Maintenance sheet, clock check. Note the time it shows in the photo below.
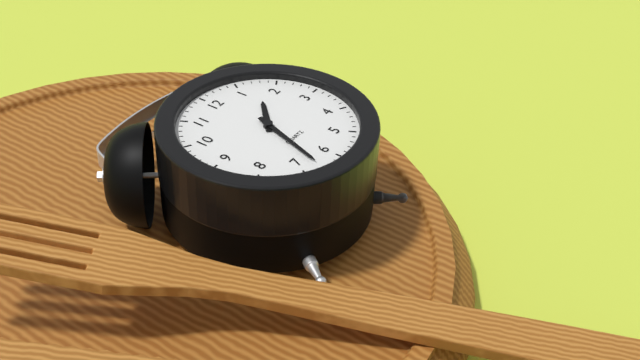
1:33
